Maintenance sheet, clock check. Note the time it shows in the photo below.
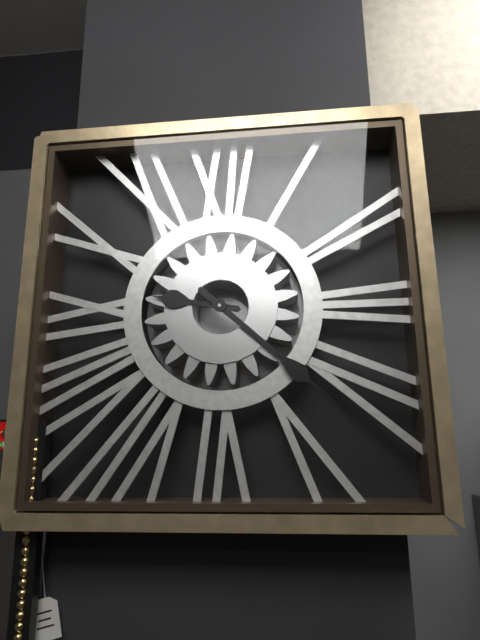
9:22
